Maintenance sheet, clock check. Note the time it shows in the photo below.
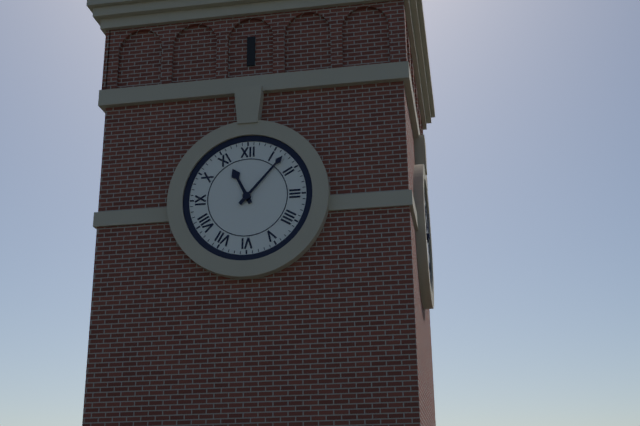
11:07
